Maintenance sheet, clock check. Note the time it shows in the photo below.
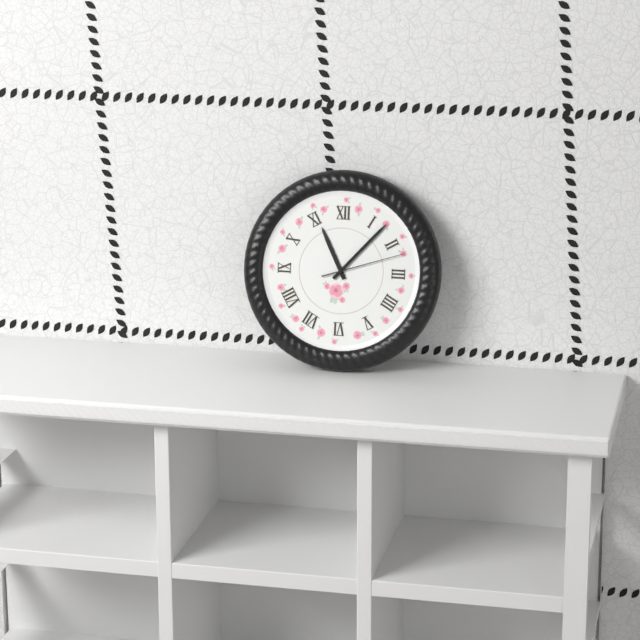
11:07:12
